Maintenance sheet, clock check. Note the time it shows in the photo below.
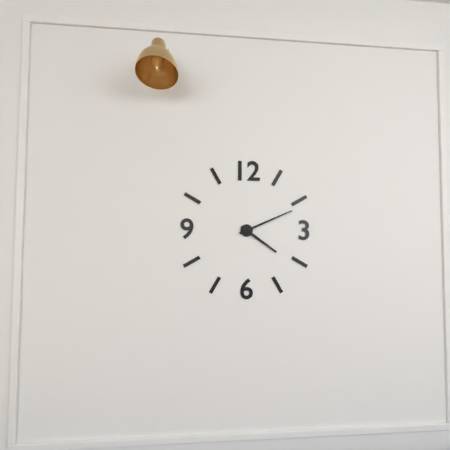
4:11
